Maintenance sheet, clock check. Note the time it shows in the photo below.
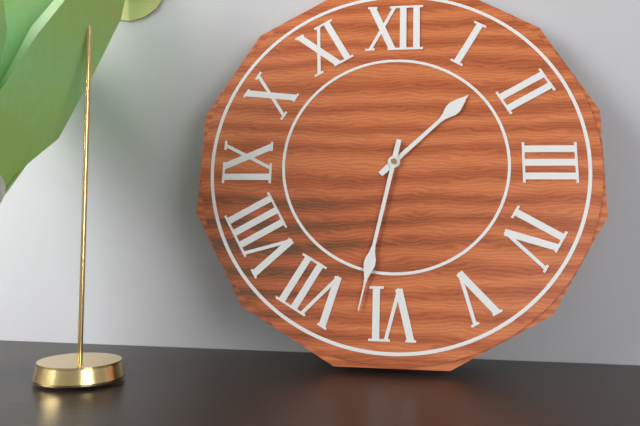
1:32
